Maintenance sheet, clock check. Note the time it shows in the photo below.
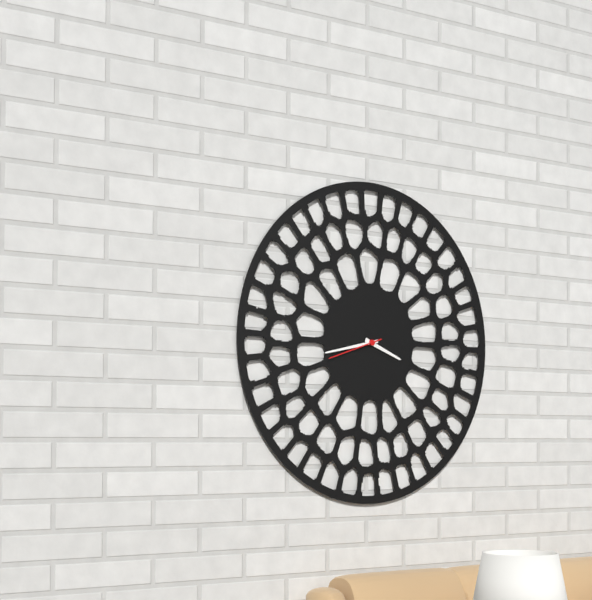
3:43:42
